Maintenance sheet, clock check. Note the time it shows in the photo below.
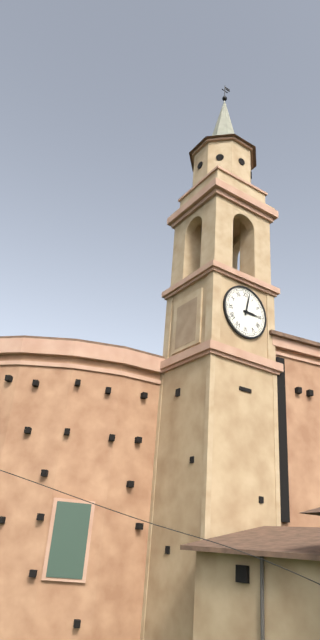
3:02
